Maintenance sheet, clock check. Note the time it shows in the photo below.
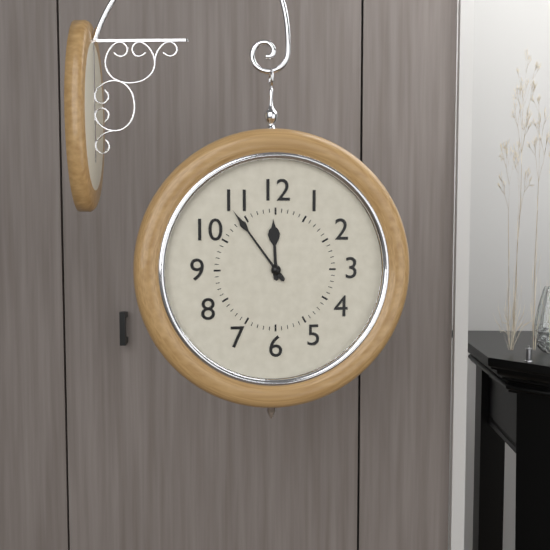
11:54
